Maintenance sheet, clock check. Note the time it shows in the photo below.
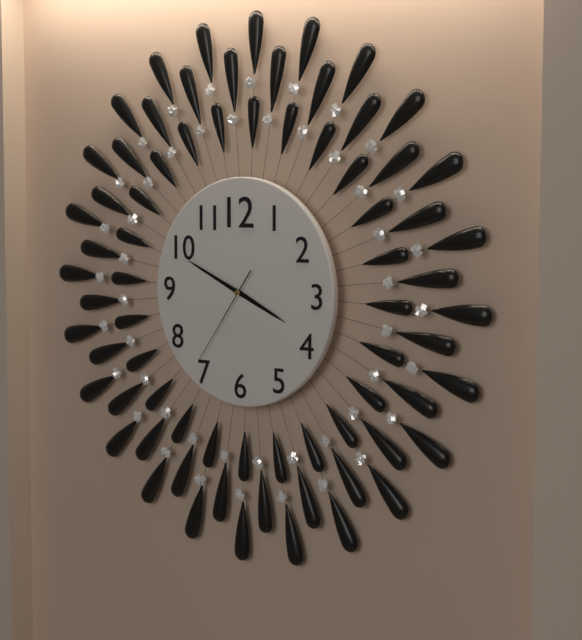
3:49:36
